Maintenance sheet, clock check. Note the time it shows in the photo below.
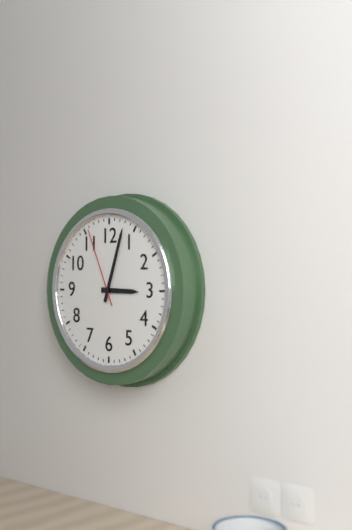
3:03:56
